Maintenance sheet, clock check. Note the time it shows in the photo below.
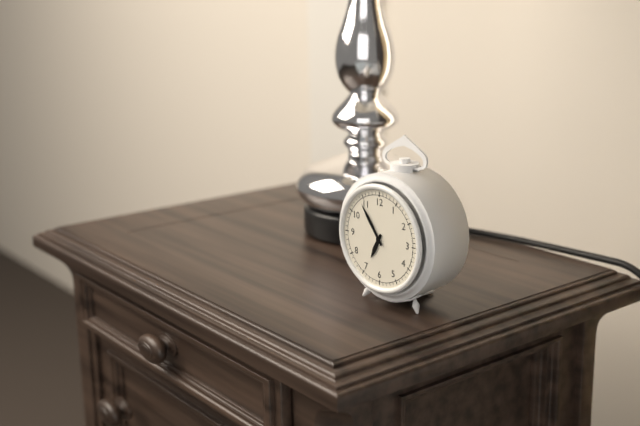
6:54
